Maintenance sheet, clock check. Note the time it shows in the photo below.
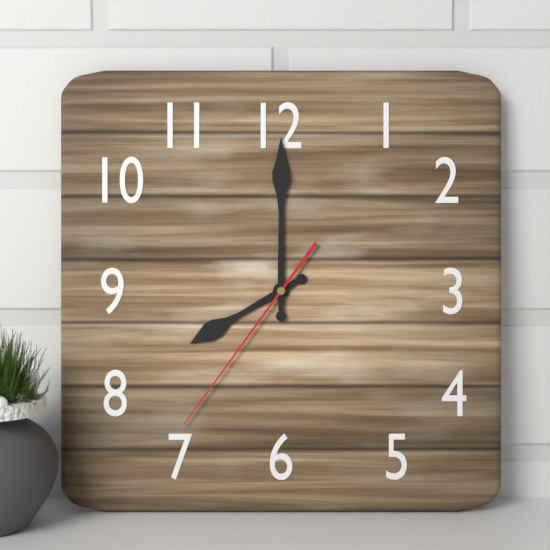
8:00:36
